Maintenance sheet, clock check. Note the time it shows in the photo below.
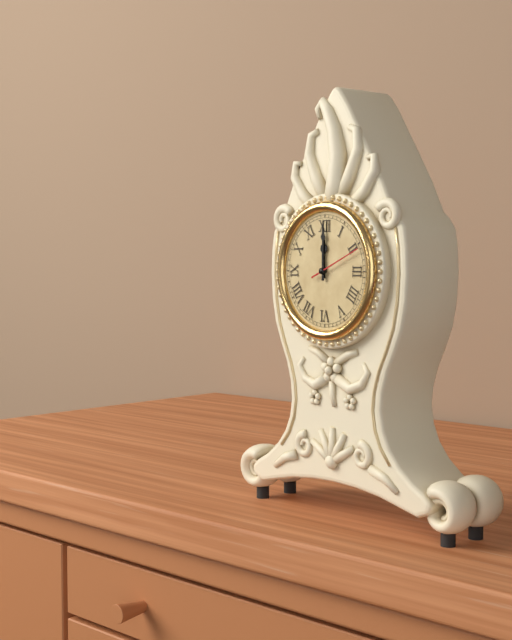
12:00:11
